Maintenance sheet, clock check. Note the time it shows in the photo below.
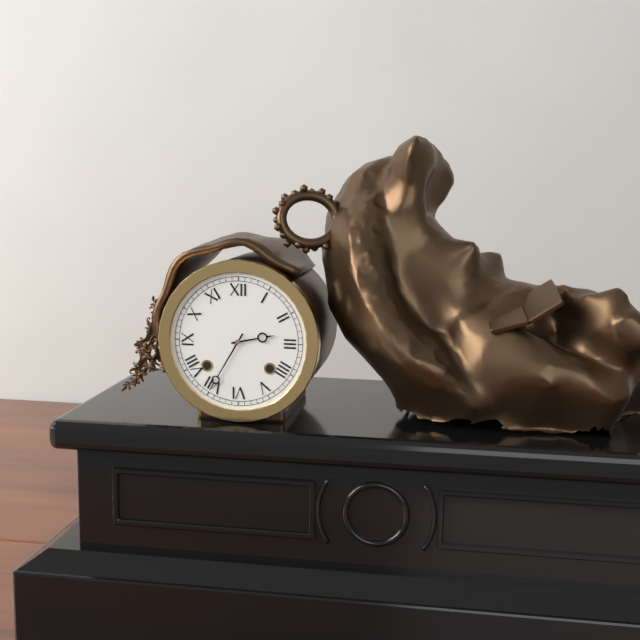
2:35
